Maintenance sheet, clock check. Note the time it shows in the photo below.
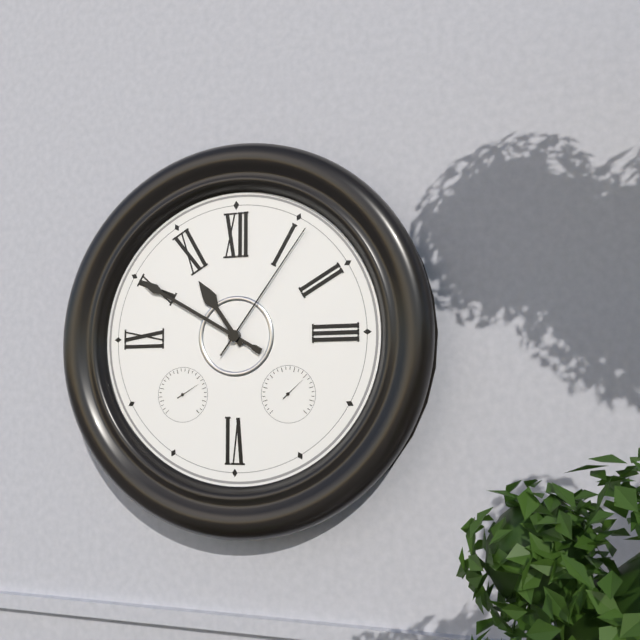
10:50:06
